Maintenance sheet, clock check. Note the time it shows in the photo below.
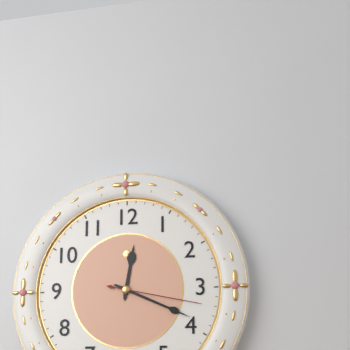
12:19:17
